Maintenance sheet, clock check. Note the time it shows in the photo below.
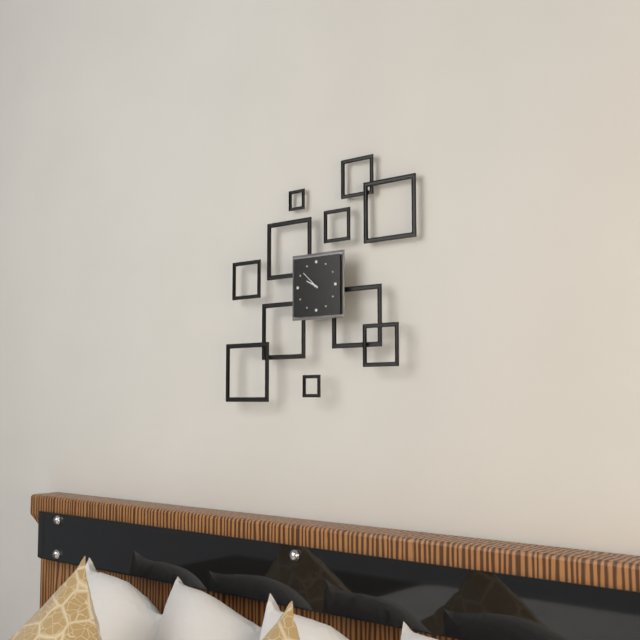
9:52
